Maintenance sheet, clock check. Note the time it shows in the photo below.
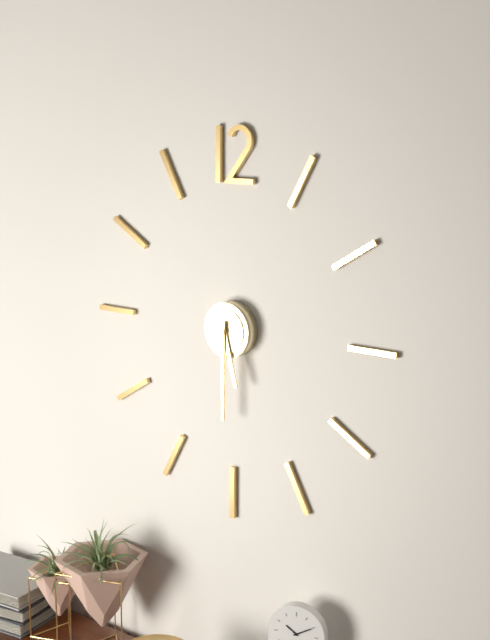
5:30
